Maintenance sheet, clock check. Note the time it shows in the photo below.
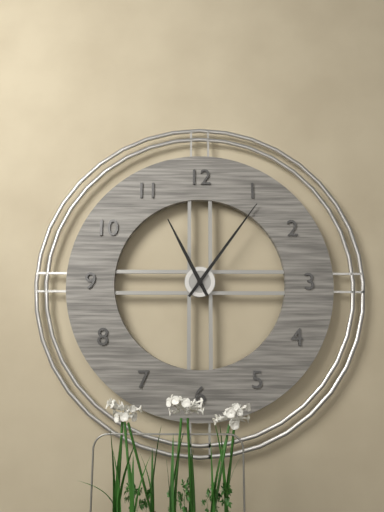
11:06
